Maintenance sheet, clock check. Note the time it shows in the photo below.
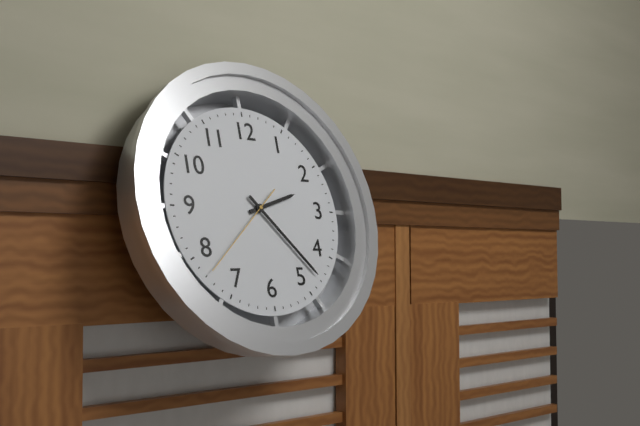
2:23:38
